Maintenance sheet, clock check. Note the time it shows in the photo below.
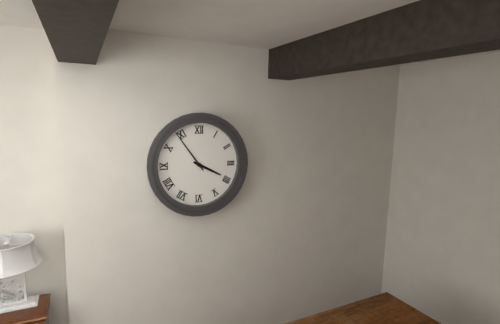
3:54
